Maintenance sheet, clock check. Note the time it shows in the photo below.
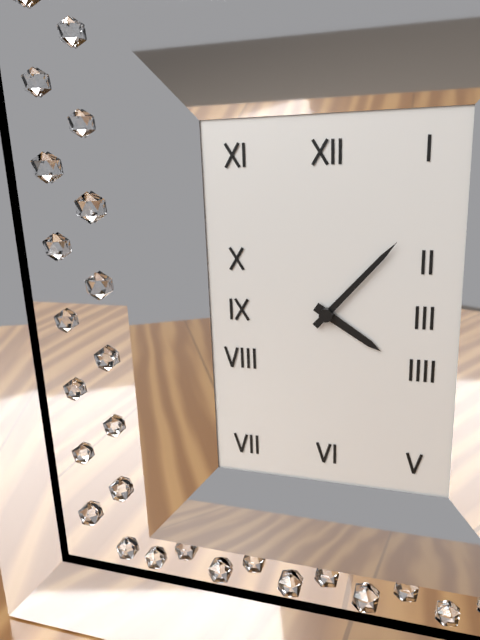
4:07
